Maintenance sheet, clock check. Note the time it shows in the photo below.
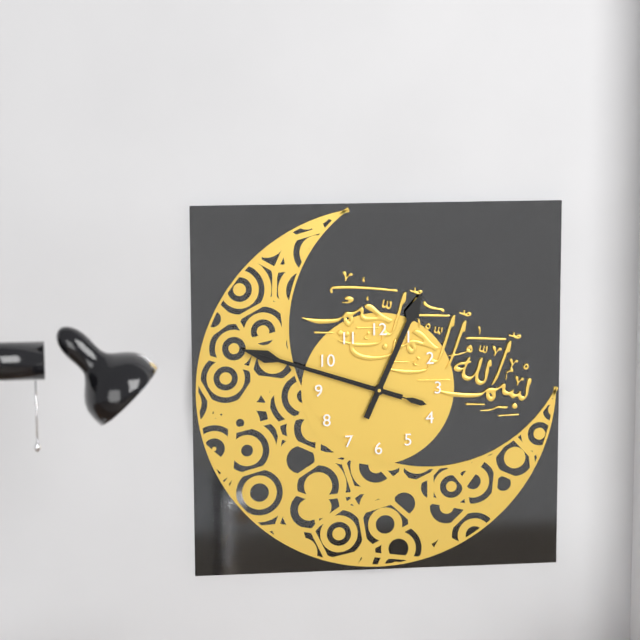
12:48:48
